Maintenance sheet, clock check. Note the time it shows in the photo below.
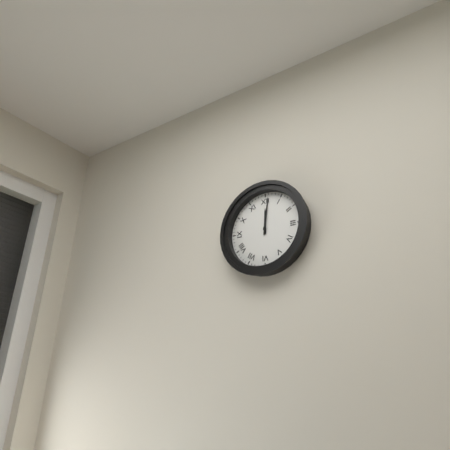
12:01
